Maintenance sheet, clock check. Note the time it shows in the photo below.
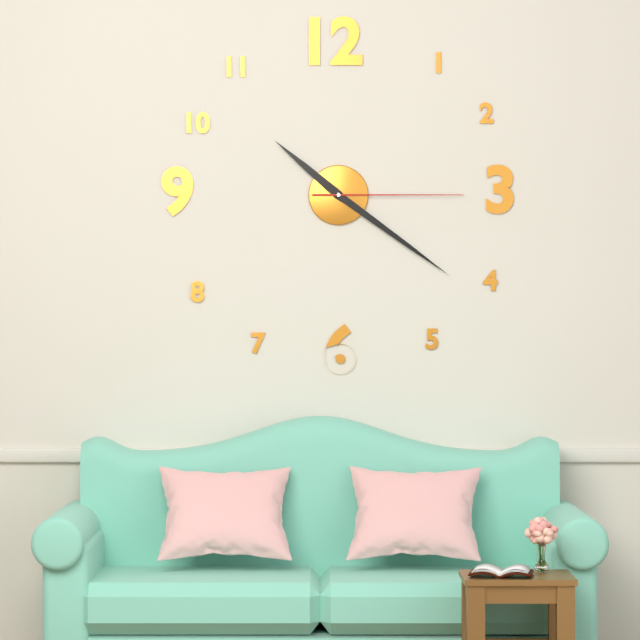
10:21:15
